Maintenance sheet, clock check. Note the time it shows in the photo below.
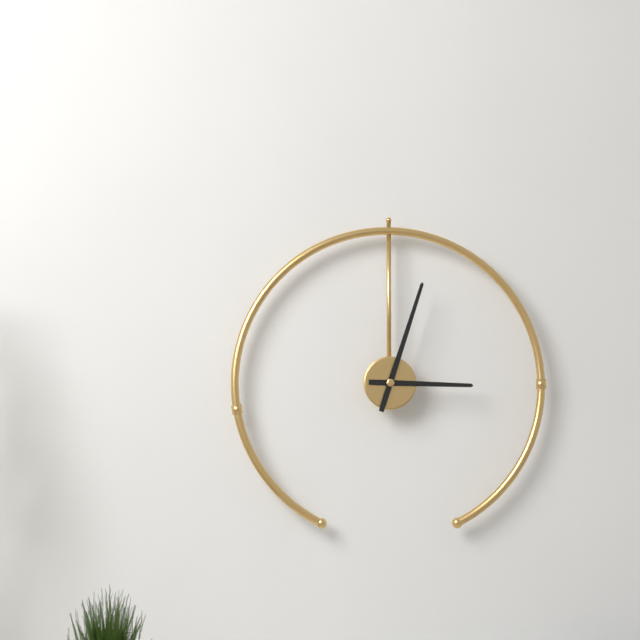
3:03
